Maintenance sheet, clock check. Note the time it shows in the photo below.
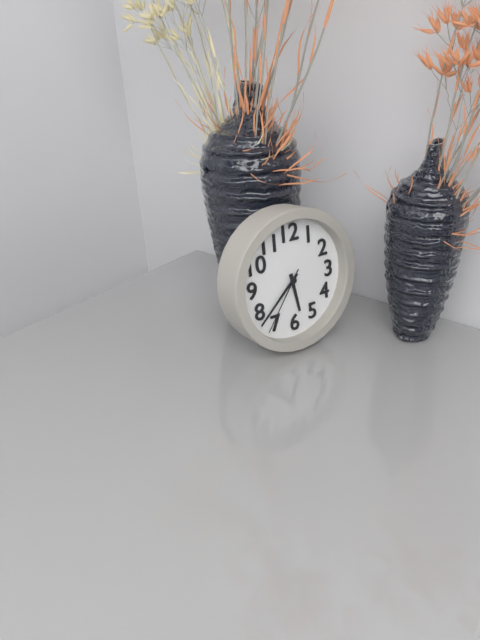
5:38:36
